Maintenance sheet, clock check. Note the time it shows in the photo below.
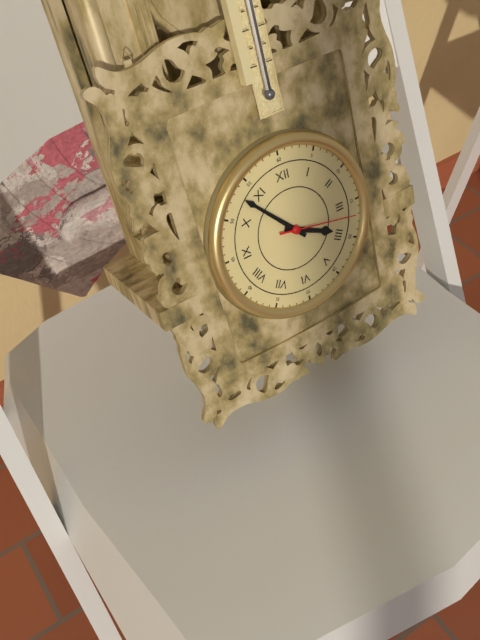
3:53:17
